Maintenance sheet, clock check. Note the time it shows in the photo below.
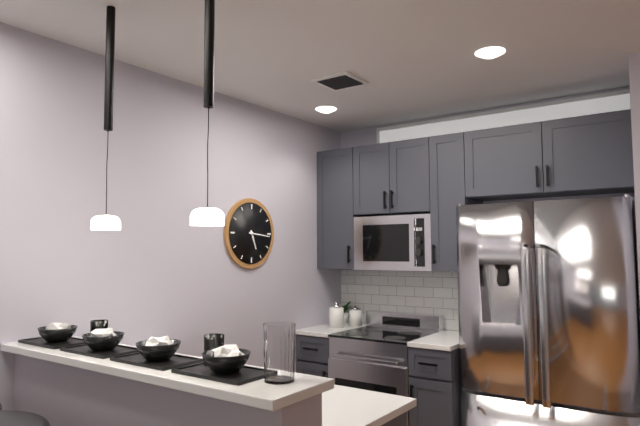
5:16
